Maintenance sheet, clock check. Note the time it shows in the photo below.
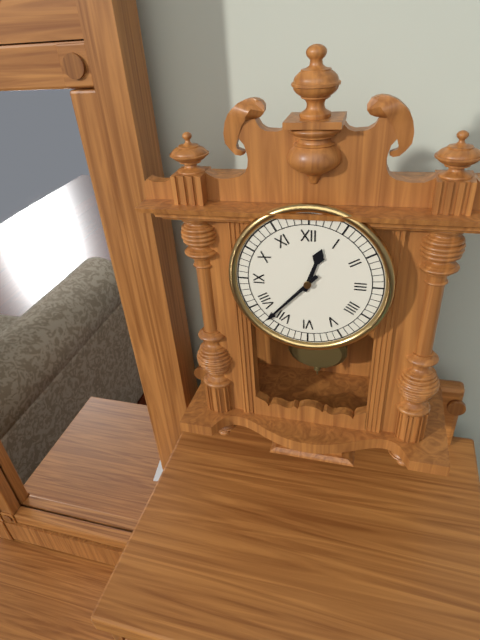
12:37
